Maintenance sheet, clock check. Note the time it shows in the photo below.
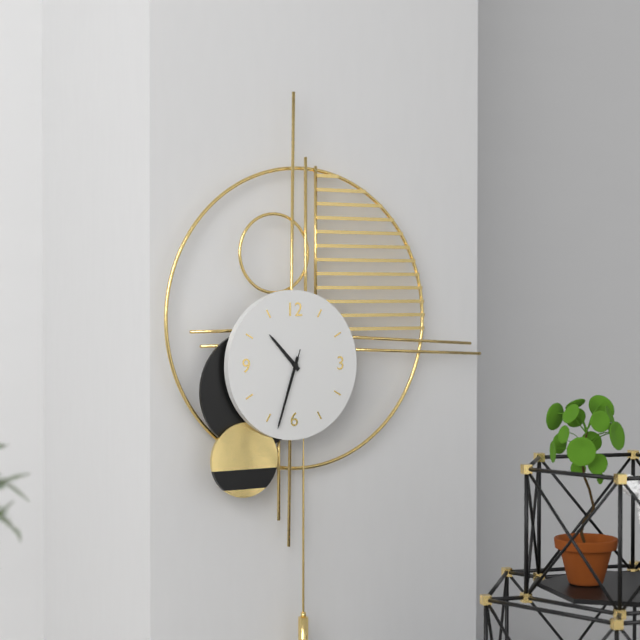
10:33:33
